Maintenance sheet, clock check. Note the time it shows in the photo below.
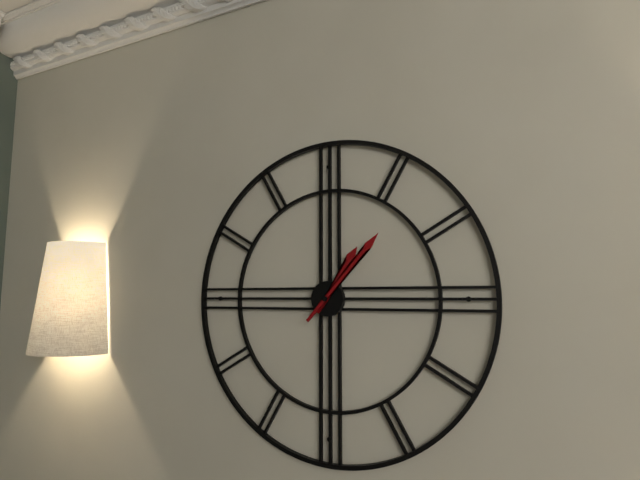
1:07
